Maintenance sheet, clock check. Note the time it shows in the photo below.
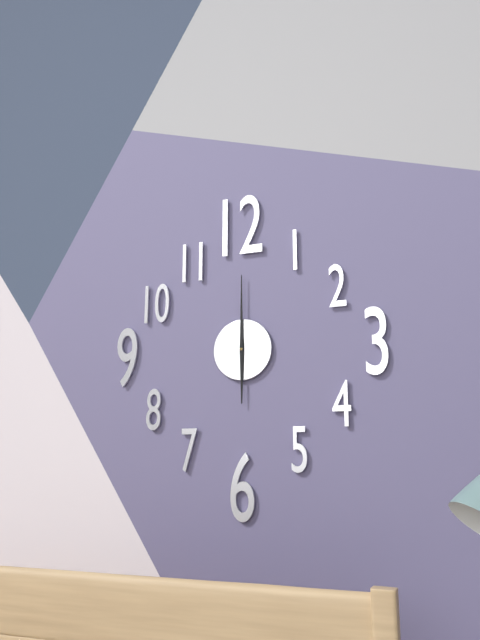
6:00
